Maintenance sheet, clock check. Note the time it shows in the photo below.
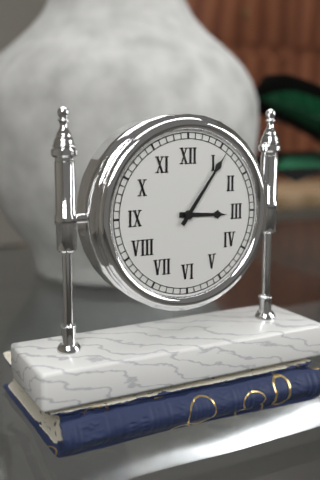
3:06
